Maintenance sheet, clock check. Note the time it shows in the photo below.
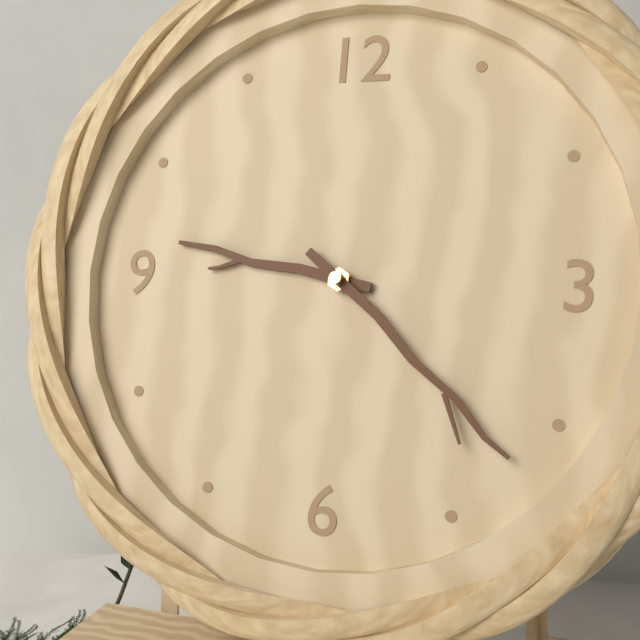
9:22
